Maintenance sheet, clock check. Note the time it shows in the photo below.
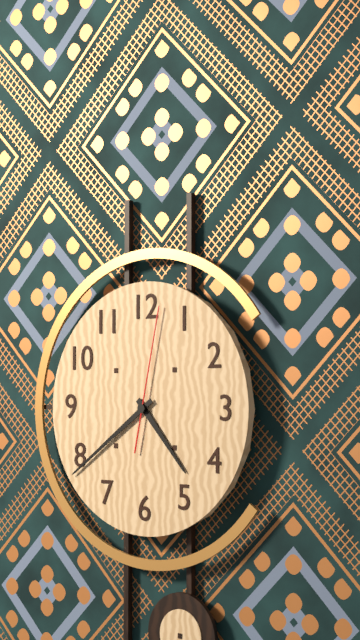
4:39:02
